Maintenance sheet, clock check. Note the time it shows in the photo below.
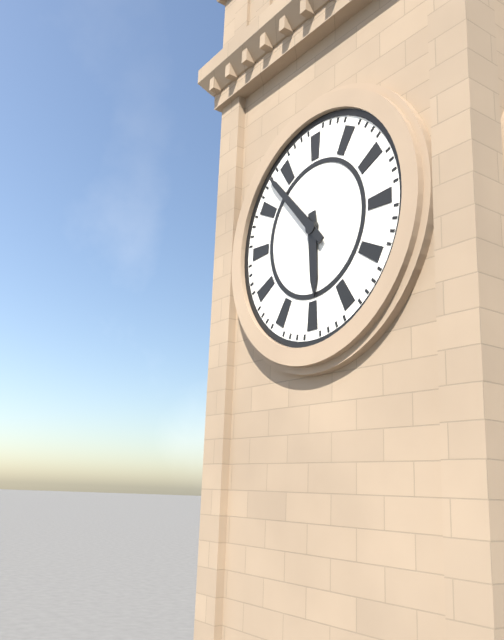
5:53
